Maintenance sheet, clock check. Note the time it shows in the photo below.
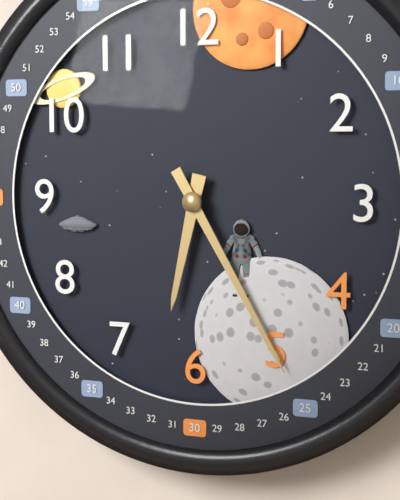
6:25
